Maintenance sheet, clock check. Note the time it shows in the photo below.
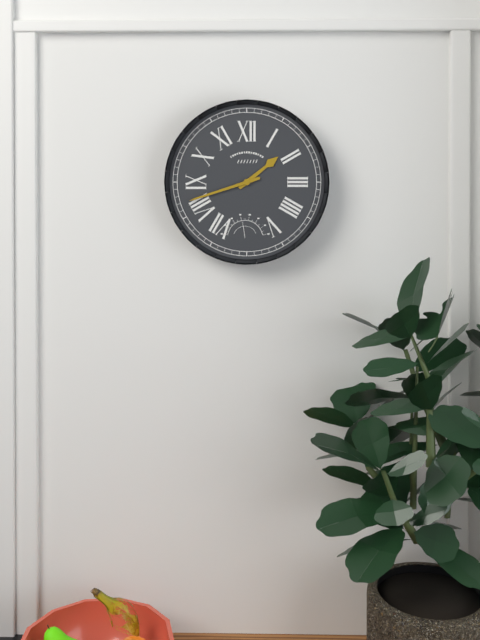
1:42
